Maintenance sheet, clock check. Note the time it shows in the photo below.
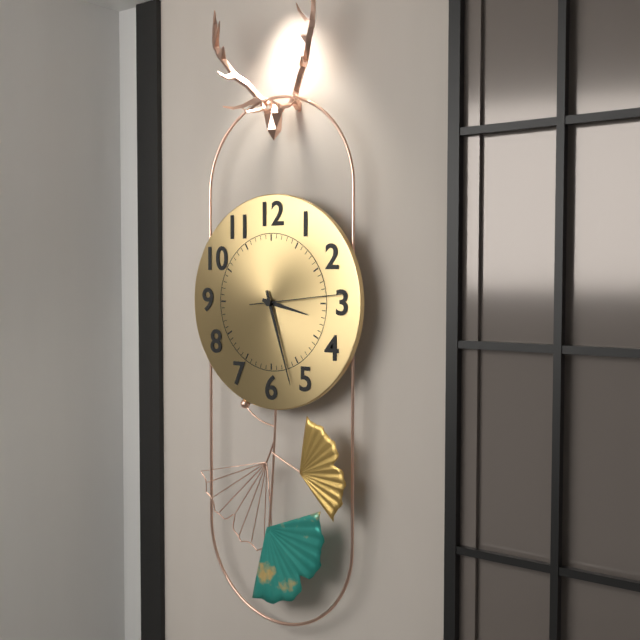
3:27:14
